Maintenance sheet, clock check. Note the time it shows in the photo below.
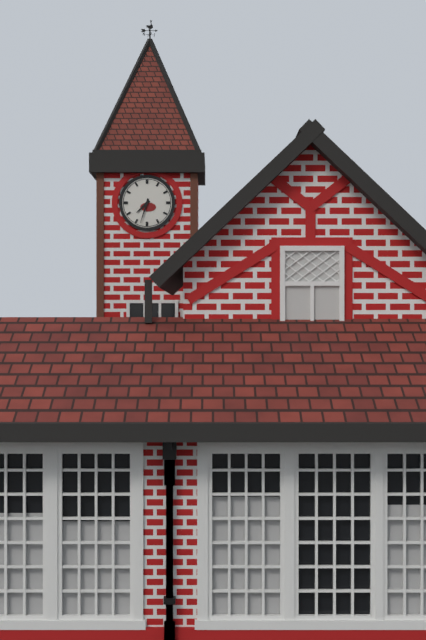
7:33
